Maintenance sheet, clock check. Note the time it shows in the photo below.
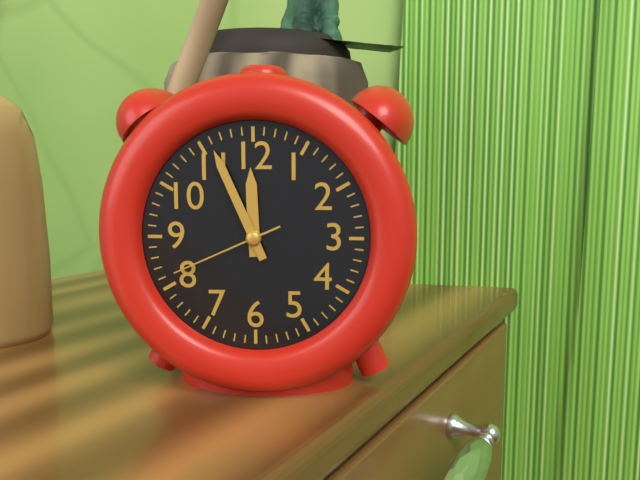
11:56:41
